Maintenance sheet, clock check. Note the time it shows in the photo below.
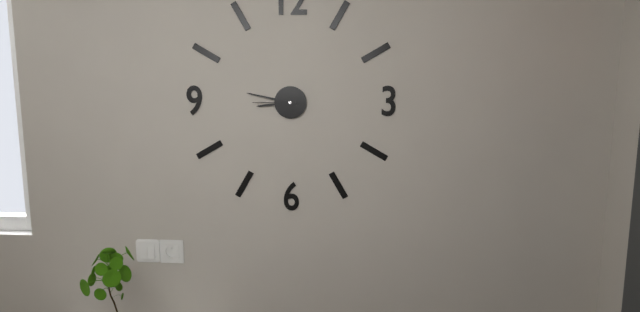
8:47
